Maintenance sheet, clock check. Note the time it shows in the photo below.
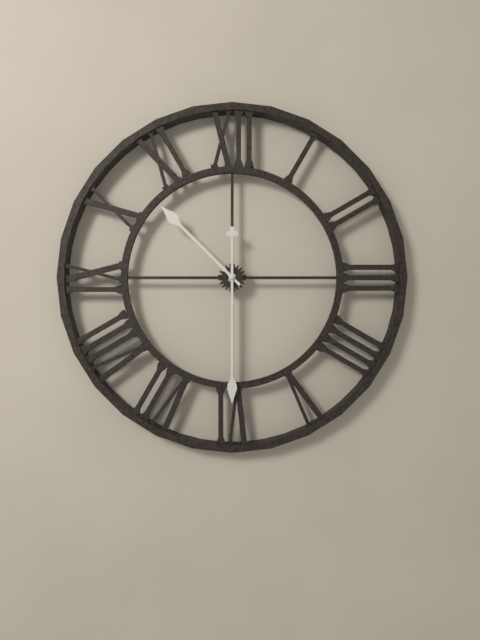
10:30
